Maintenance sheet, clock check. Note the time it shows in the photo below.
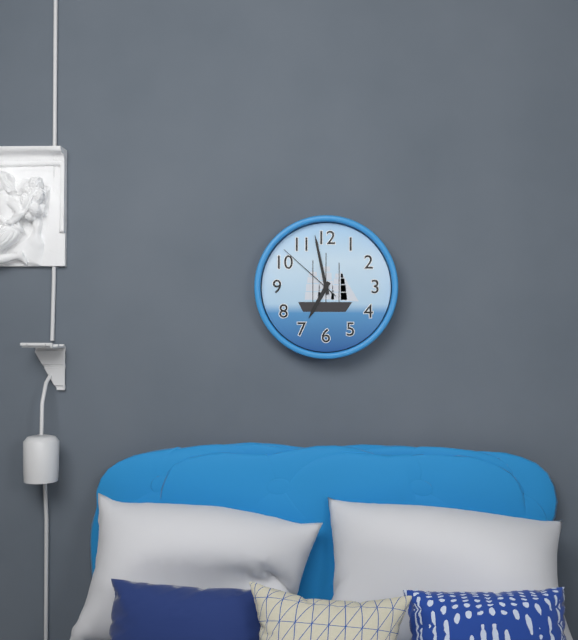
6:58:52
